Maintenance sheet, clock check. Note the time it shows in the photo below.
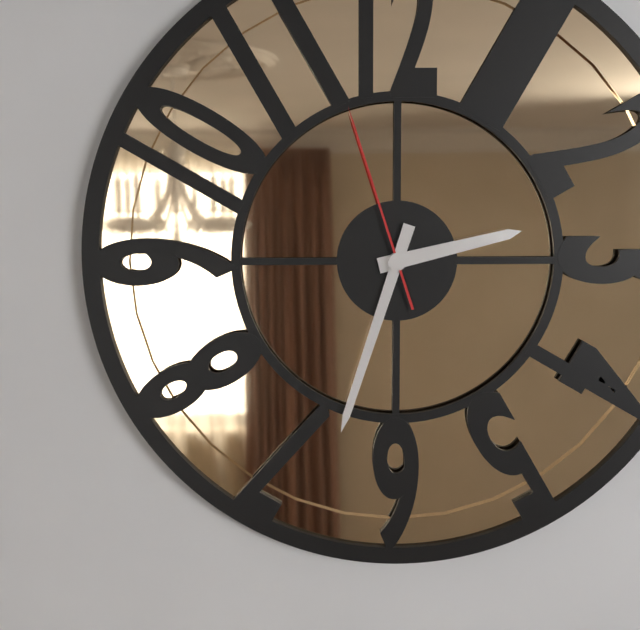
2:33:57
